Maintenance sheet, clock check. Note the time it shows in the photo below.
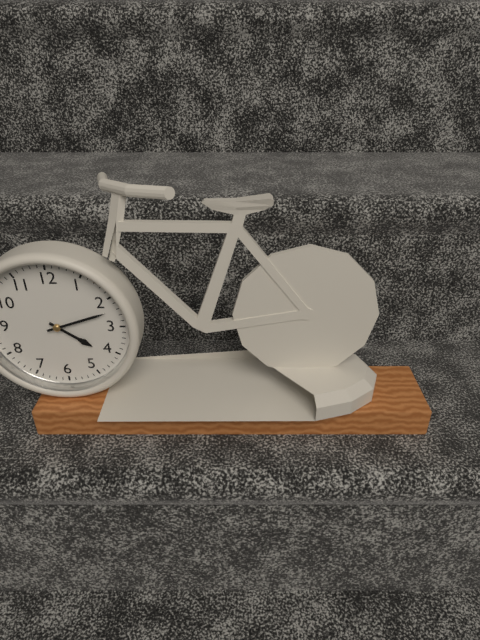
4:12
